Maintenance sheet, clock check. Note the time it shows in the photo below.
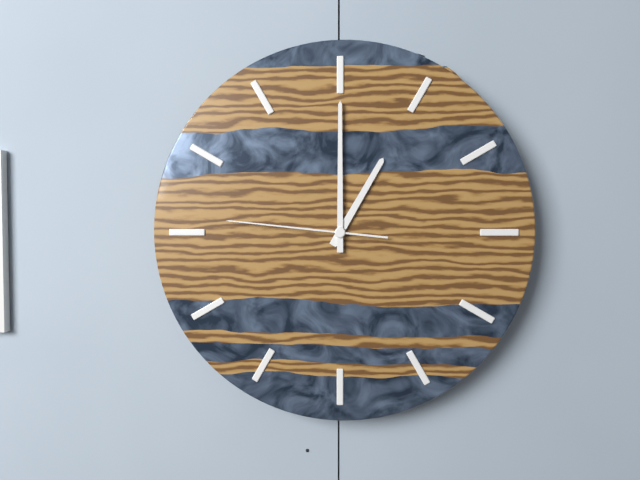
1:00:46
